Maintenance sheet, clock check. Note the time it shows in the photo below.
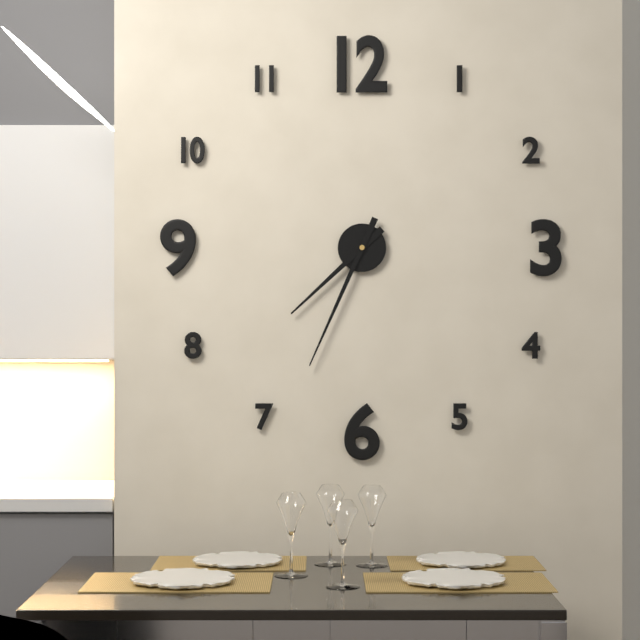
7:34
